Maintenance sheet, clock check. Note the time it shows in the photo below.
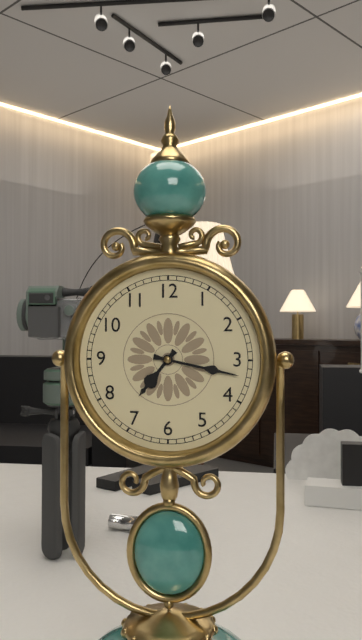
7:17
